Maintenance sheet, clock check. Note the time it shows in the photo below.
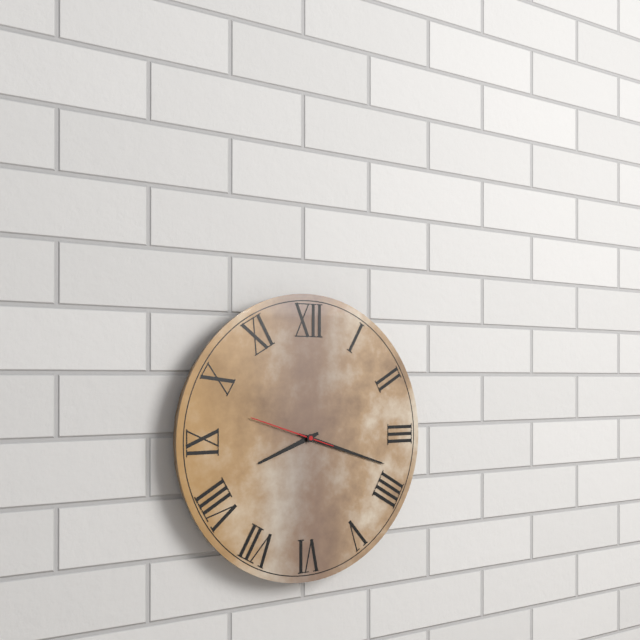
8:18:48
